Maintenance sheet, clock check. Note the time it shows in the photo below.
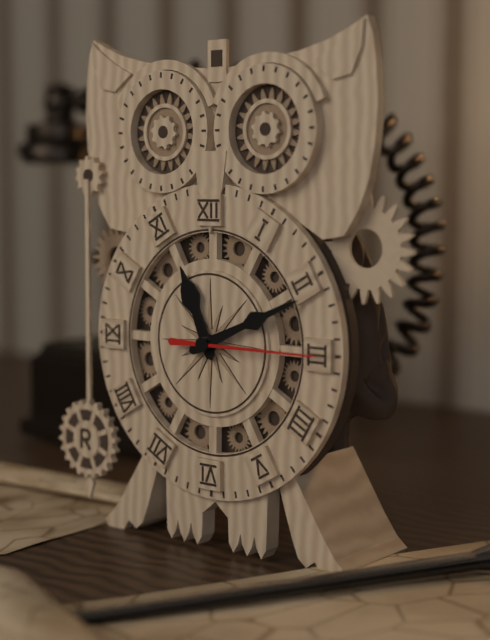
11:11:15
